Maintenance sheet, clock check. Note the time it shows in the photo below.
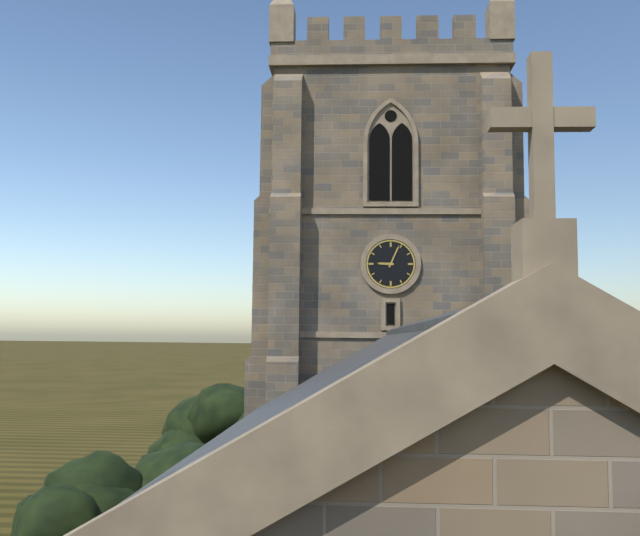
9:04
